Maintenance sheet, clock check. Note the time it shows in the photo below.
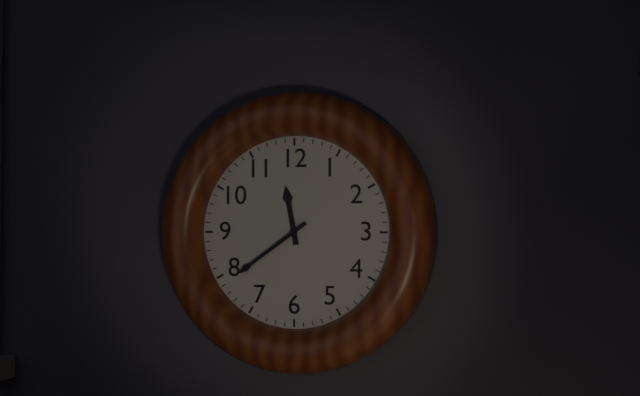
11:39
